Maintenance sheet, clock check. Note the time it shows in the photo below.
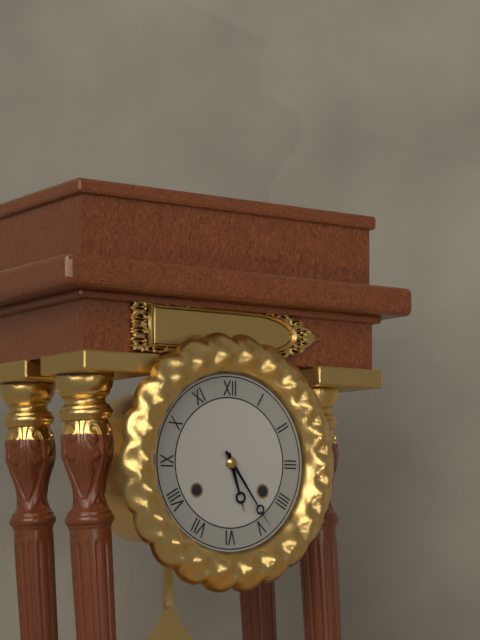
5:24
